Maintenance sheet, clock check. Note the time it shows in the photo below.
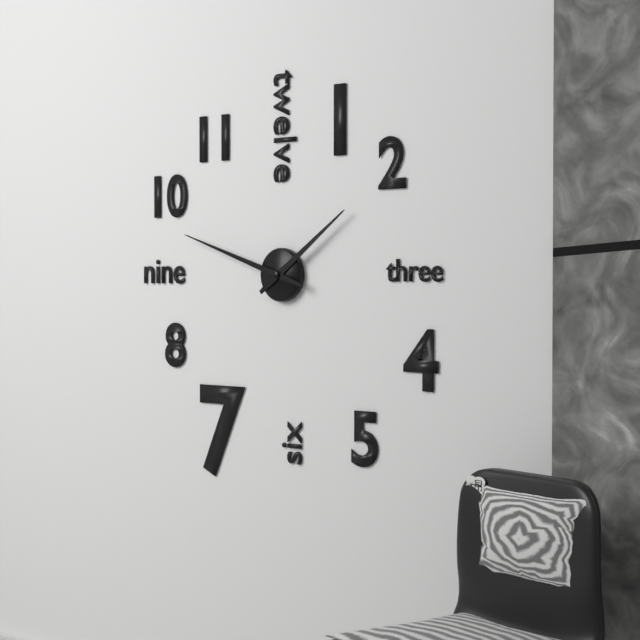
1:48
